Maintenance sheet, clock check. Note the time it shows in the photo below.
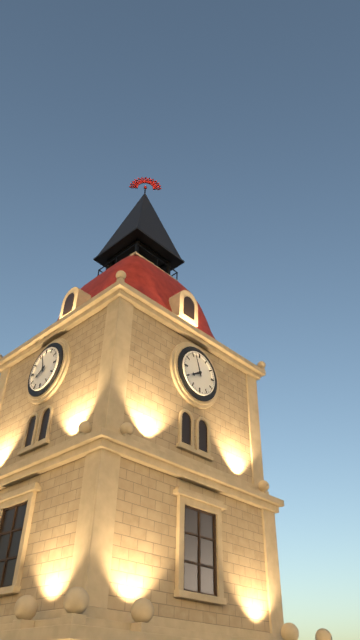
7:57
